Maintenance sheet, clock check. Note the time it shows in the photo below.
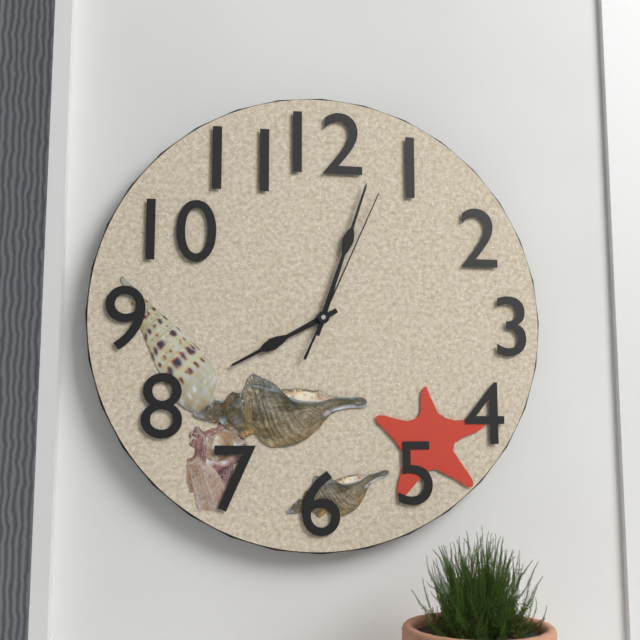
8:03:04
